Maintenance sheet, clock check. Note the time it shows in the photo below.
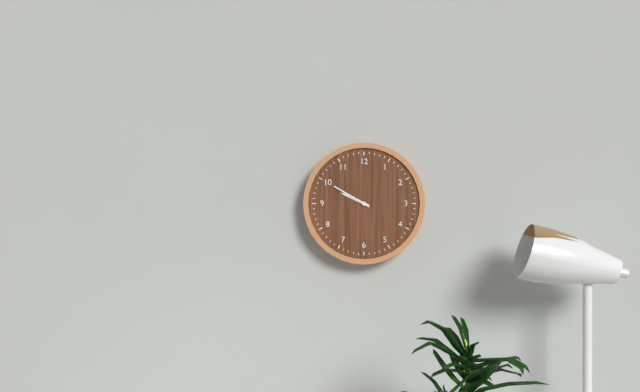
9:50
